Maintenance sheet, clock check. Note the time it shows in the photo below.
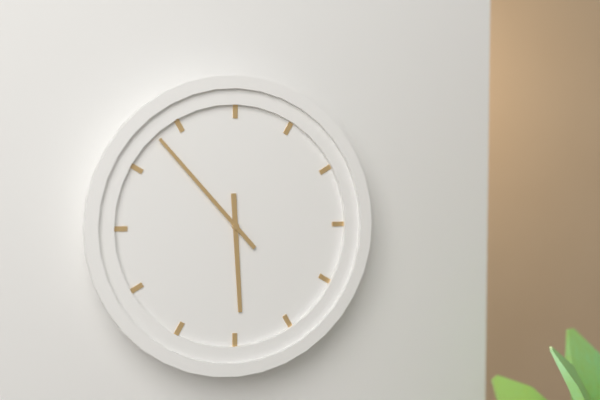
5:53
